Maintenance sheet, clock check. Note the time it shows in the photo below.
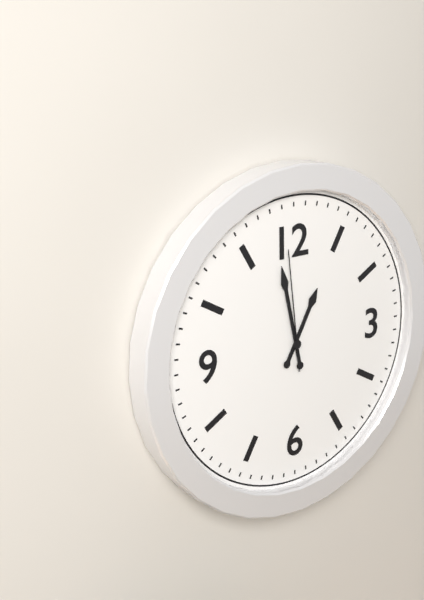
12:58:59
